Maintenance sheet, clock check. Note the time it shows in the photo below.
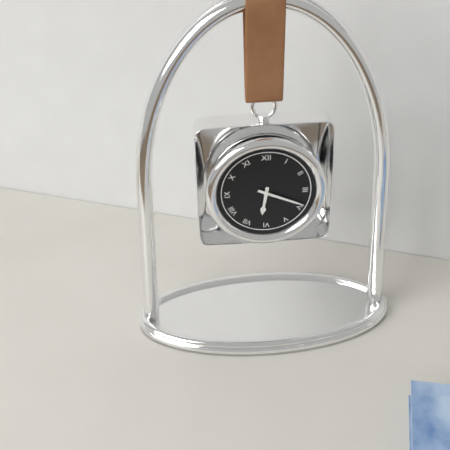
6:19
